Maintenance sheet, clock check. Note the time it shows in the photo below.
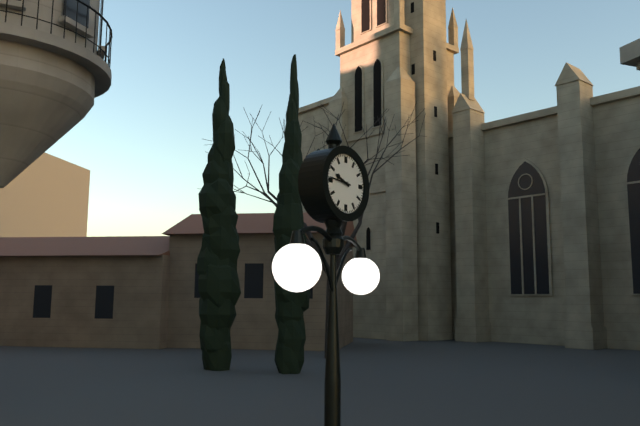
9:46
